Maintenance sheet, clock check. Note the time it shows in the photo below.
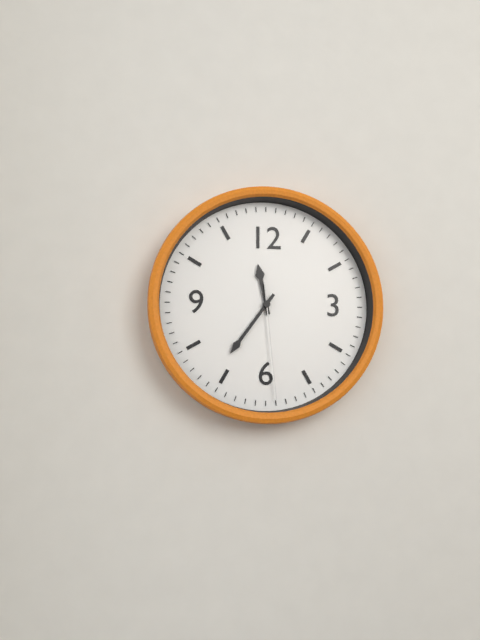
11:36:29
